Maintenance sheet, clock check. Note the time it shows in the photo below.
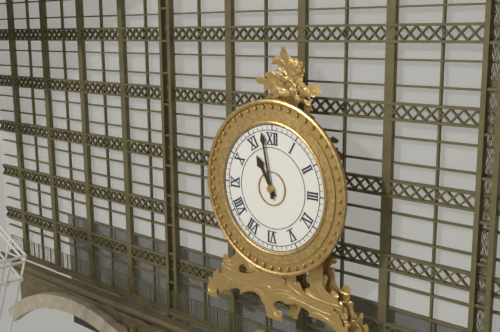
10:58
